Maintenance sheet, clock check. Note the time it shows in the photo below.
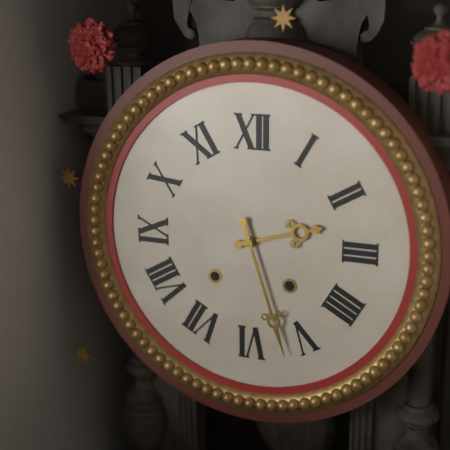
2:27
